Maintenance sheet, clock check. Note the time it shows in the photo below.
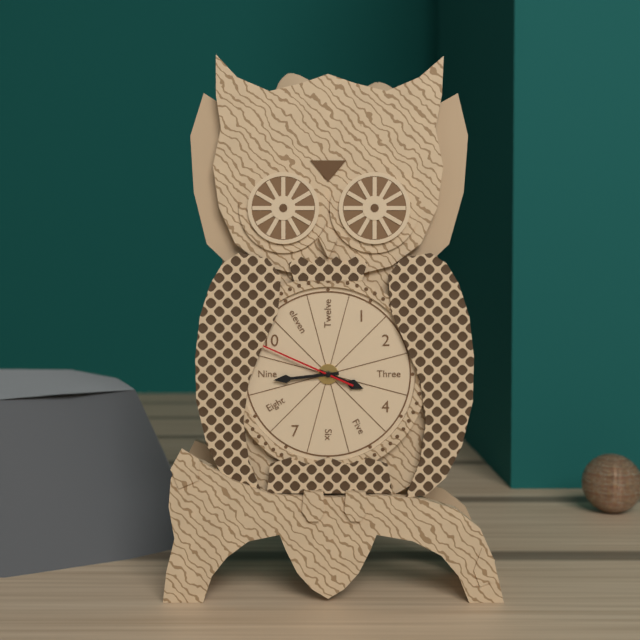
3:44:49
